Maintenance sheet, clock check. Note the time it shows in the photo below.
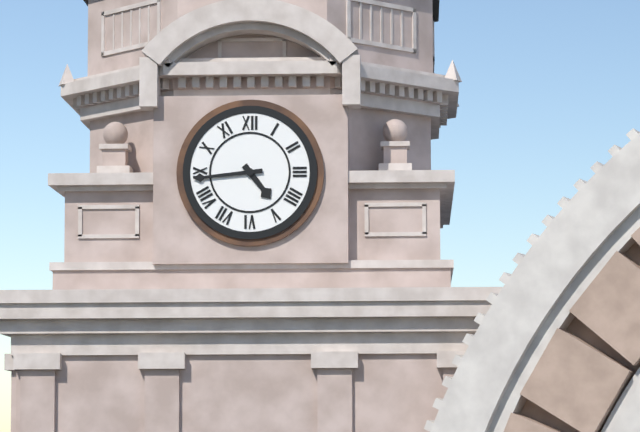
4:44
